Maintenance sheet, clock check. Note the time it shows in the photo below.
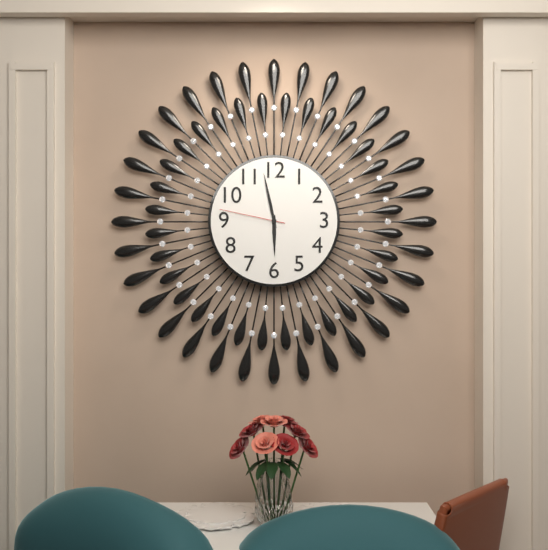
5:58:47
